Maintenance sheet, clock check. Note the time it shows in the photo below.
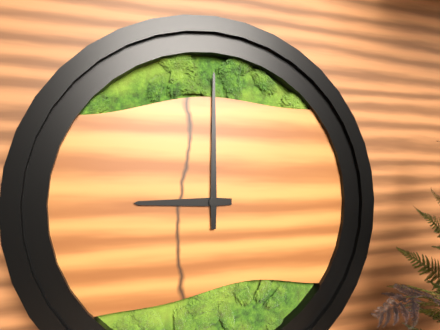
9:00
